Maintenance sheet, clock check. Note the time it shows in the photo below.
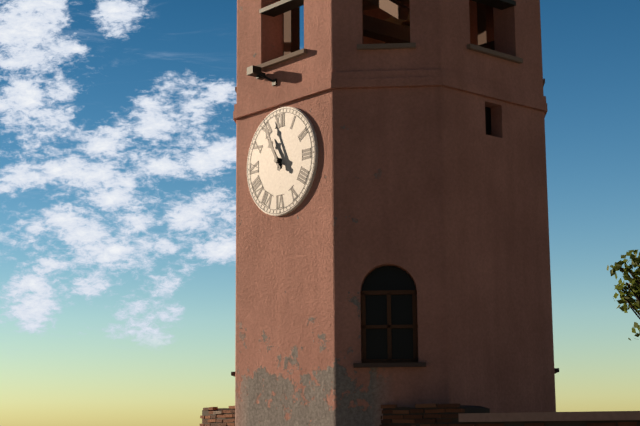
10:56
